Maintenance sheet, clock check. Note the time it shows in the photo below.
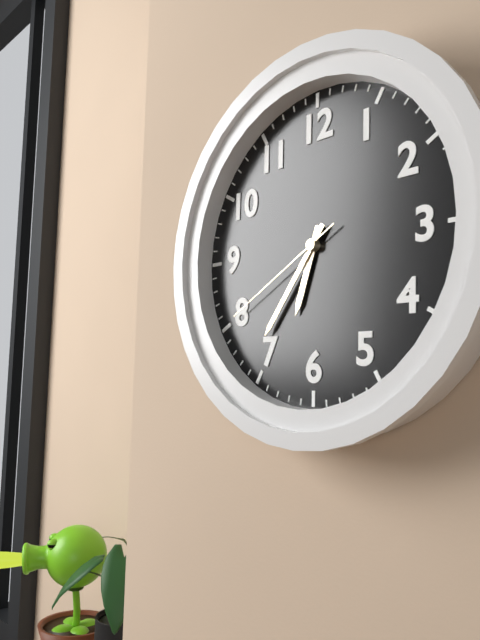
6:36:40
